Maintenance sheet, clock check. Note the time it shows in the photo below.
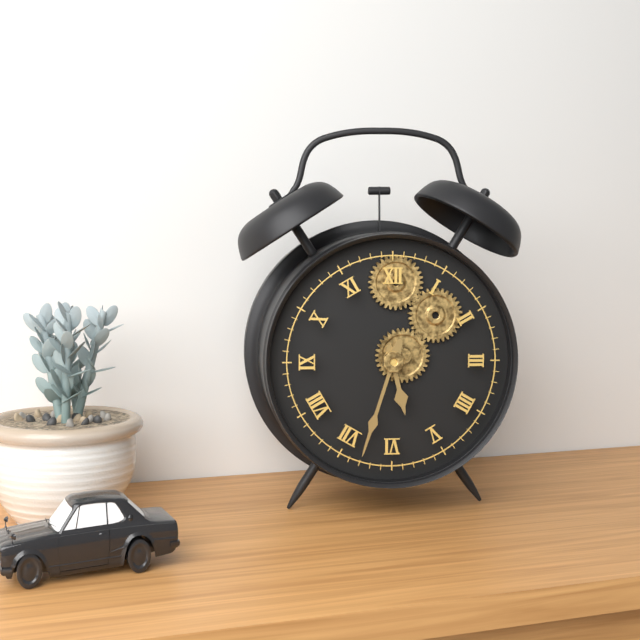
5:33
